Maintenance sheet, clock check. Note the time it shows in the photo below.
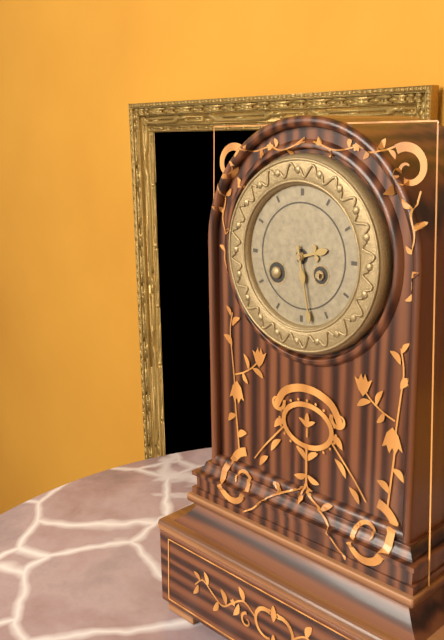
2:28
